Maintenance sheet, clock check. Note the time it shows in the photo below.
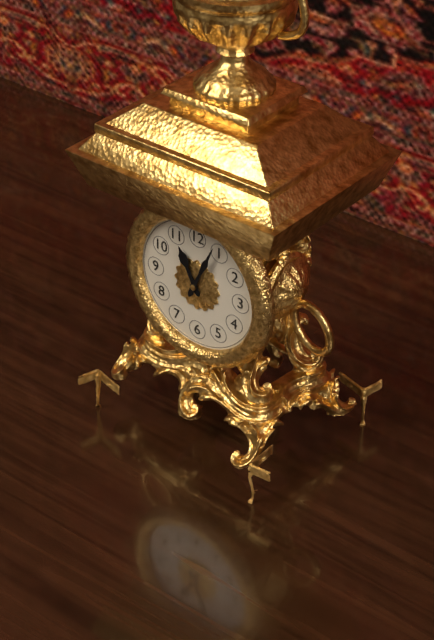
11:04
